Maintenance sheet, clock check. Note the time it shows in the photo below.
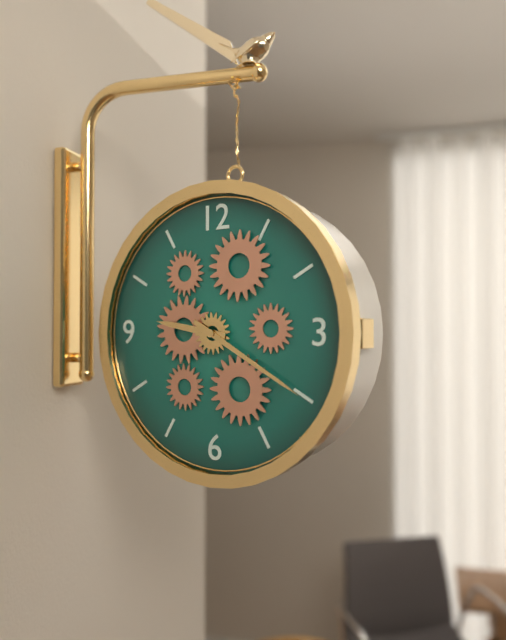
9:20
